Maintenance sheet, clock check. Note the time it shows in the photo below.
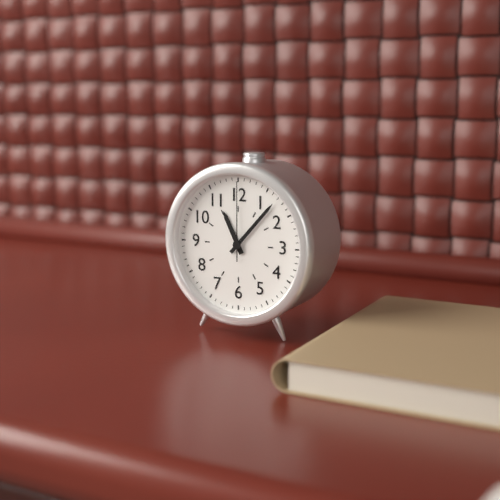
11:07:00
